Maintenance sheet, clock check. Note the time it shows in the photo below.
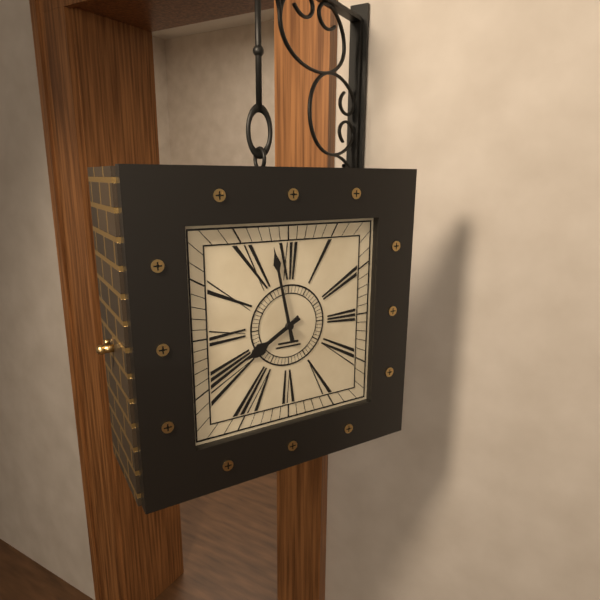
7:58
